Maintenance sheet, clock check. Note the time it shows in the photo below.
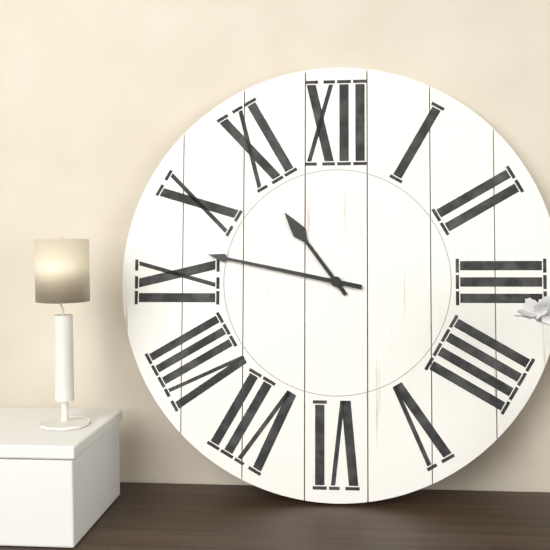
10:47
